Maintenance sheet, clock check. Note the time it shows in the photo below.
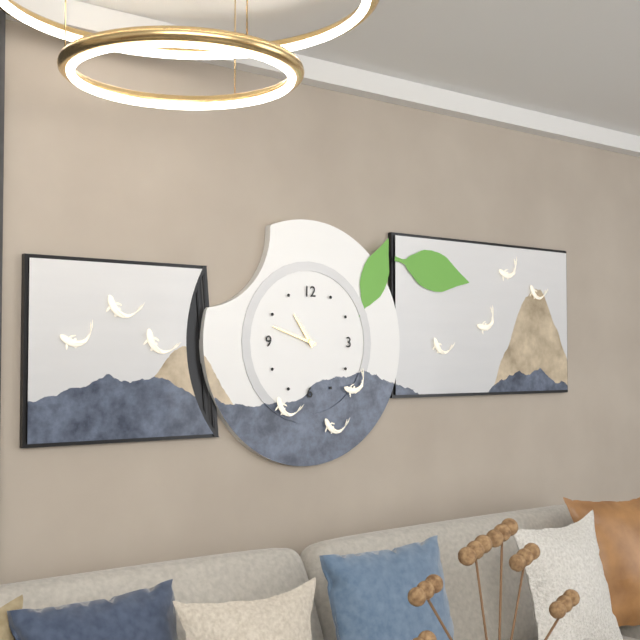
10:48
